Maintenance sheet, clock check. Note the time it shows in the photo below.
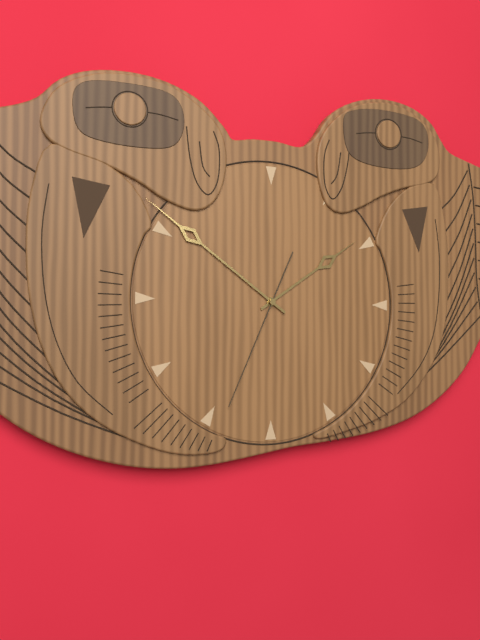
1:51:34
